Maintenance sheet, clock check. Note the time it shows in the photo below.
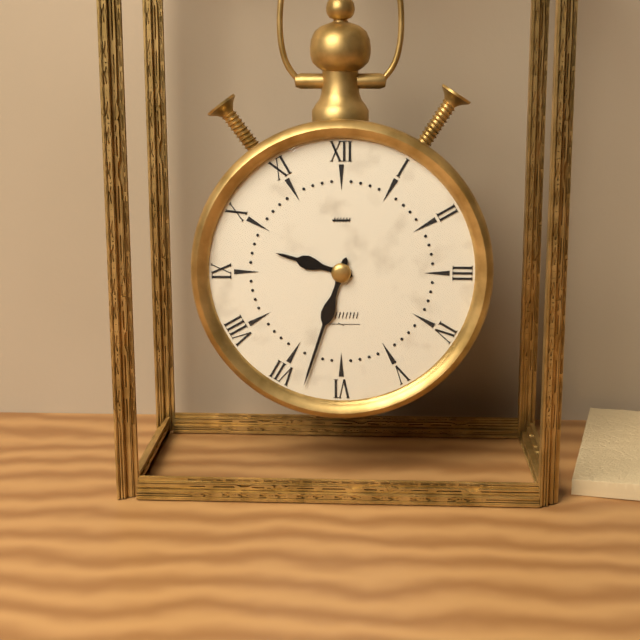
9:33
